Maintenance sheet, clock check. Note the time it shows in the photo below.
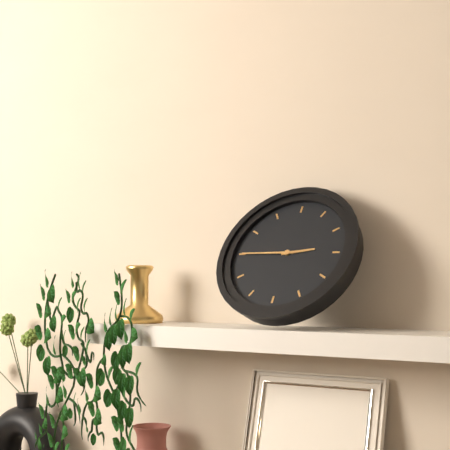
2:45
